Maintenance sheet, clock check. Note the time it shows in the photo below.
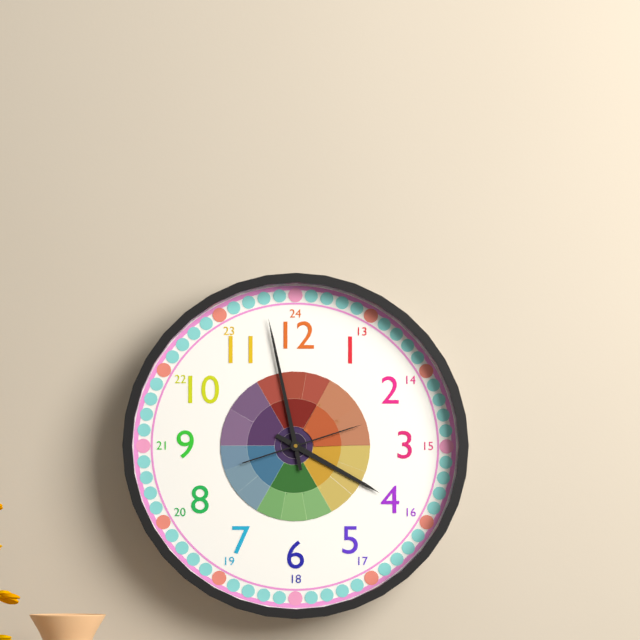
3:58:12
